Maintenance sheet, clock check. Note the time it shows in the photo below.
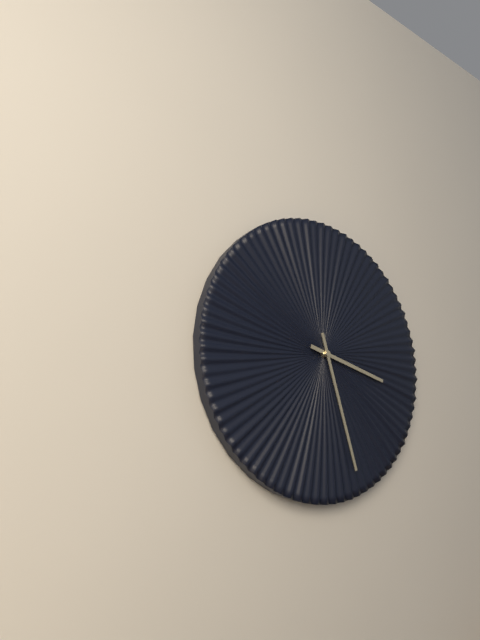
3:27
